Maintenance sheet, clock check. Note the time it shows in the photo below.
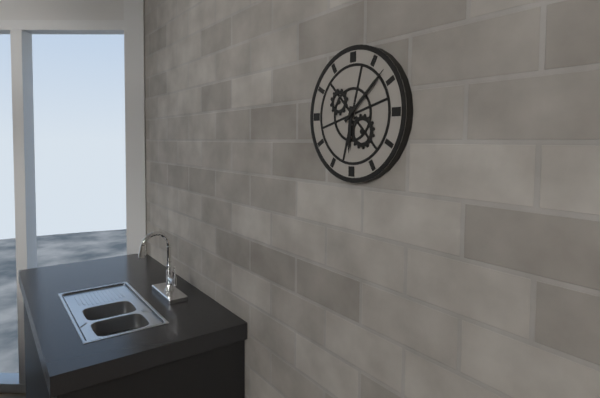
6:08
